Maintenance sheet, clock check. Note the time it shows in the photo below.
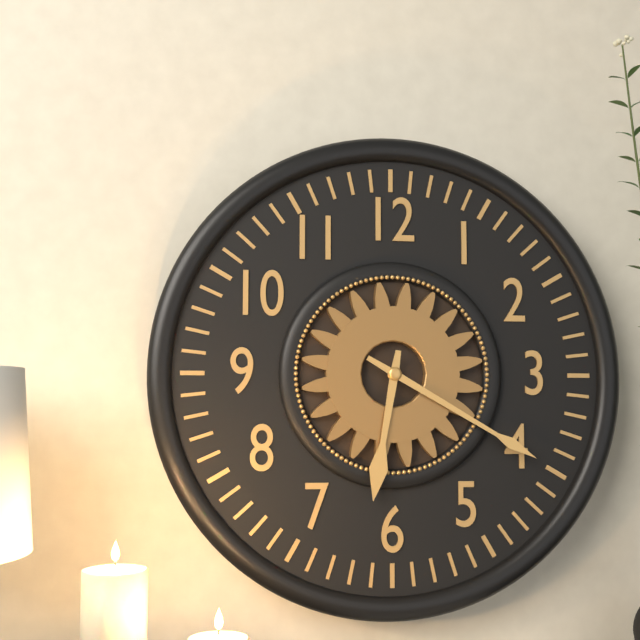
6:20
